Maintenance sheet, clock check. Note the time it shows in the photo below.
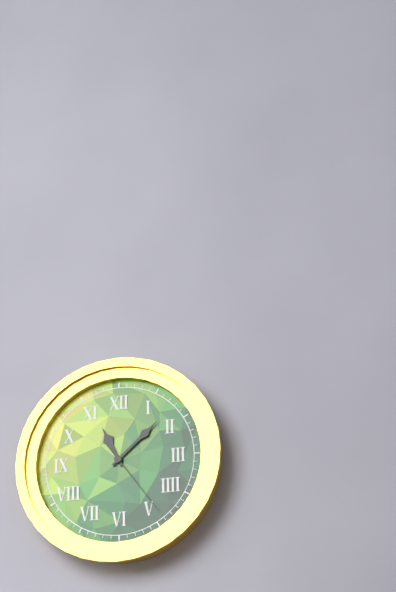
11:08:24
